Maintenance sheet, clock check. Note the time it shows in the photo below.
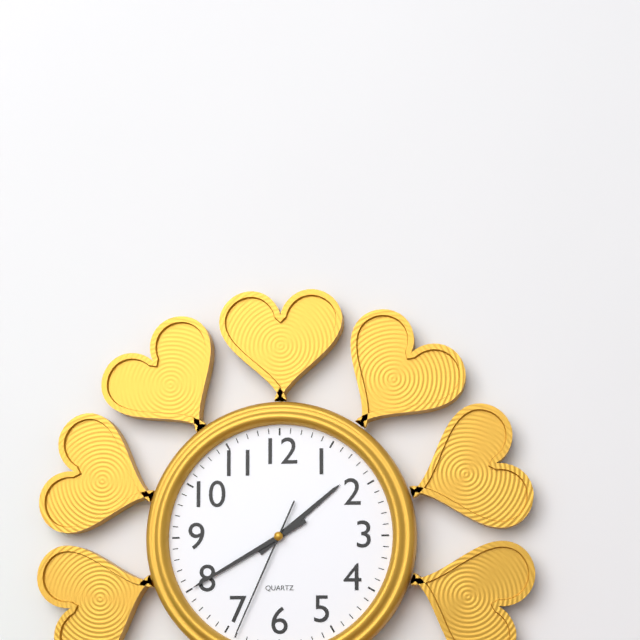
1:40:34
